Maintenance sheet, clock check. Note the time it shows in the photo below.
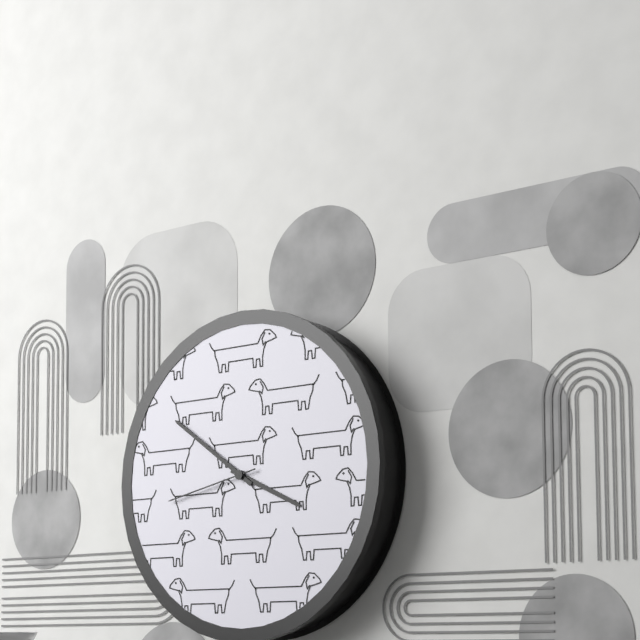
3:51:43
